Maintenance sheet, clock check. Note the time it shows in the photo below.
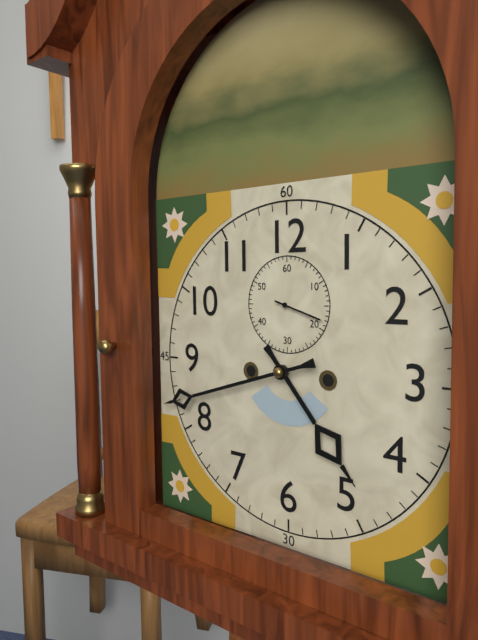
4:42:18
